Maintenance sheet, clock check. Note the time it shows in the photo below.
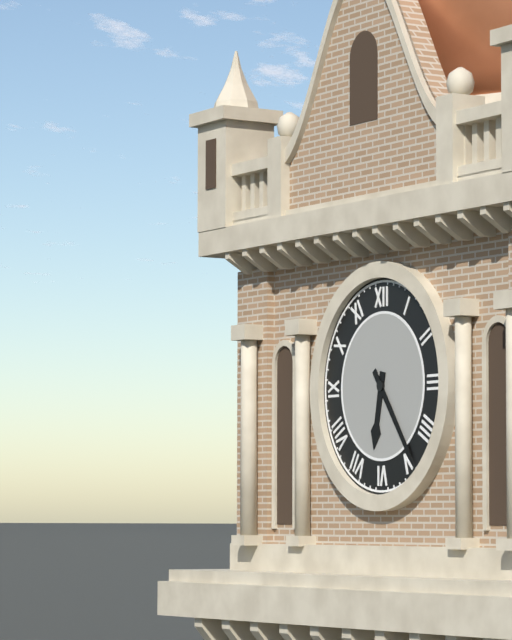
6:24
